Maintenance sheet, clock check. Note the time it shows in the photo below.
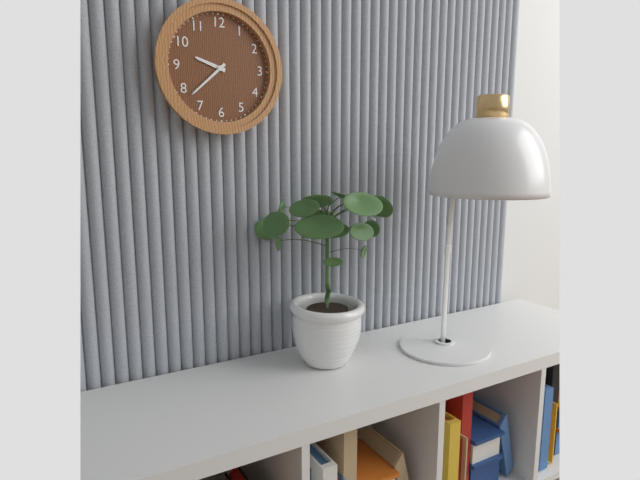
9:38
